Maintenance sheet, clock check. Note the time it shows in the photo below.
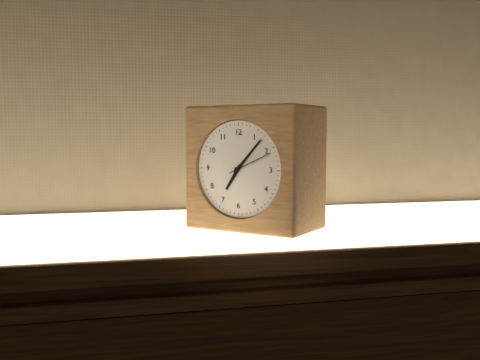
7:07
